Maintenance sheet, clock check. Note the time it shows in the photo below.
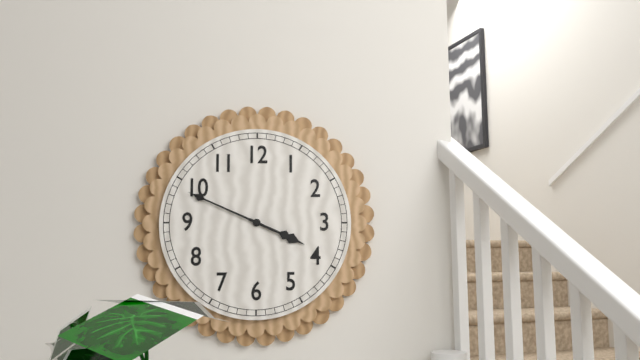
3:49
